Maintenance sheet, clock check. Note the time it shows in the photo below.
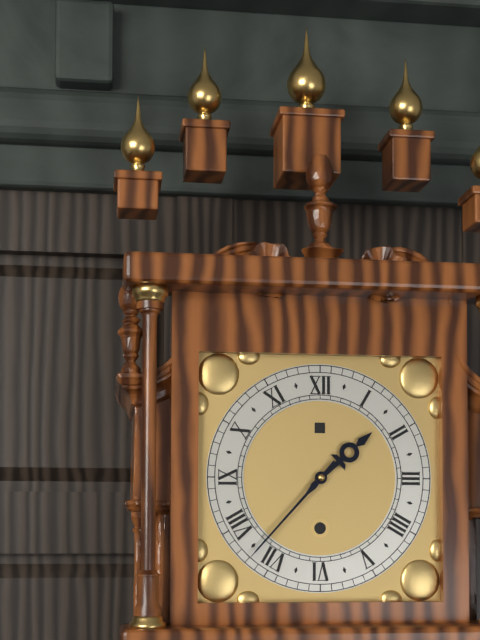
1:37
